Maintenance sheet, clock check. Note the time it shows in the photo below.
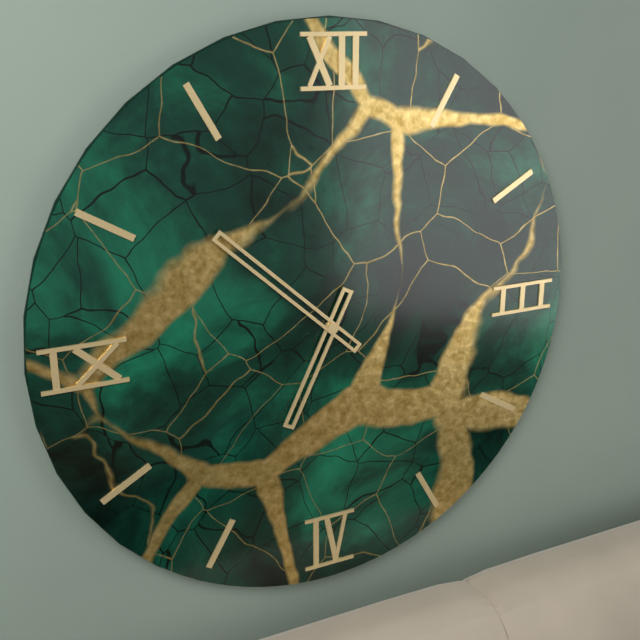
6:52
